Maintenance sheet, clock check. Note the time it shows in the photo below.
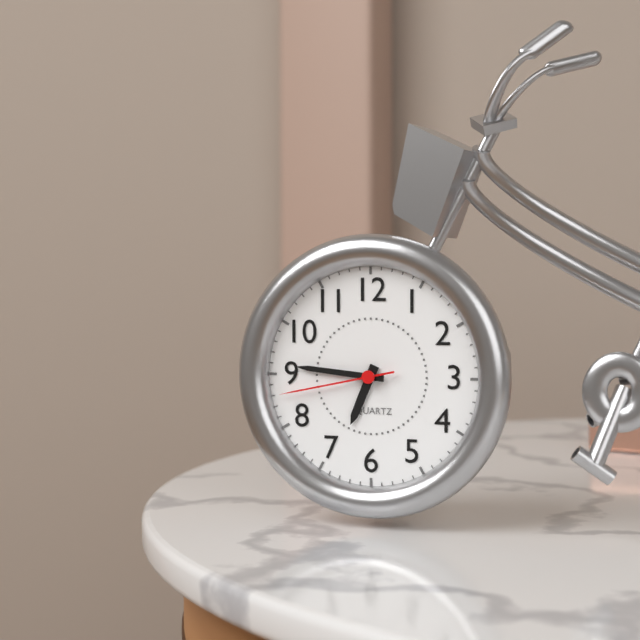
6:46:43
